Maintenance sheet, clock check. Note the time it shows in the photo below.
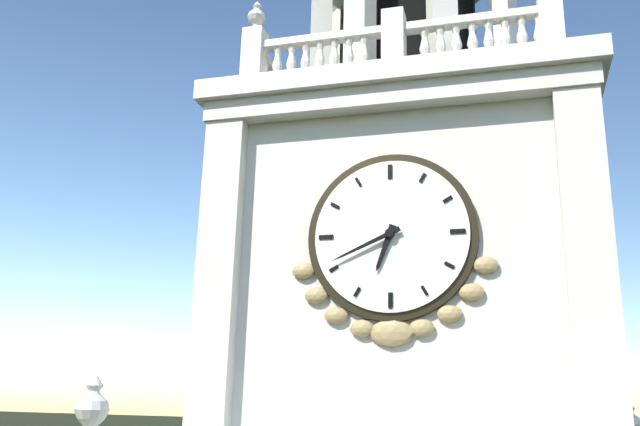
6:41
